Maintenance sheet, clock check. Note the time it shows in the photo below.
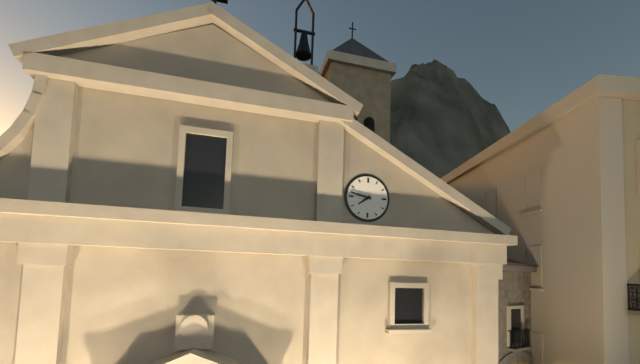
7:47
